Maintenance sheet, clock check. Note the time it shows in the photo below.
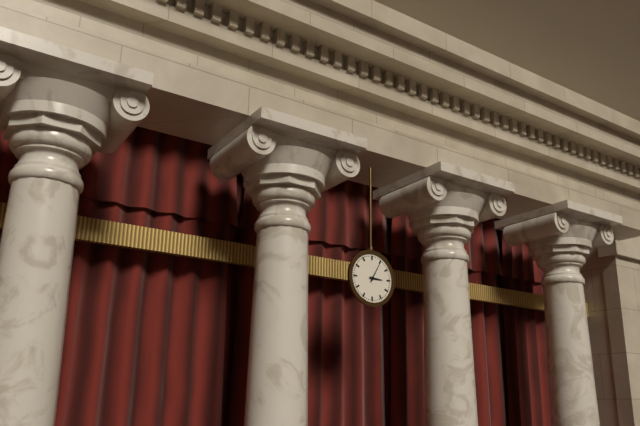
3:05
